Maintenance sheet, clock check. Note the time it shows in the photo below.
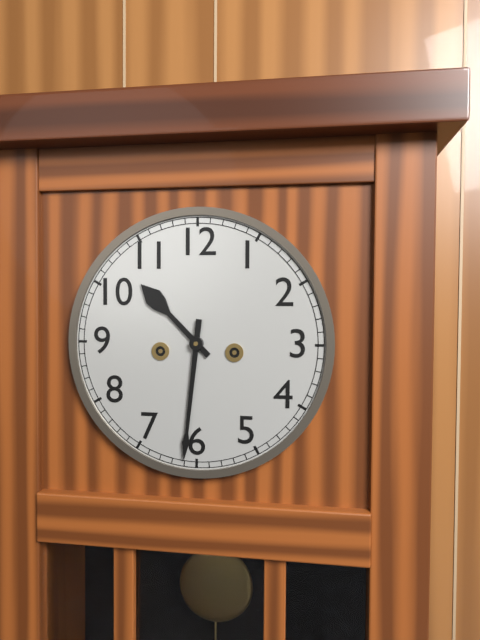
10:31
